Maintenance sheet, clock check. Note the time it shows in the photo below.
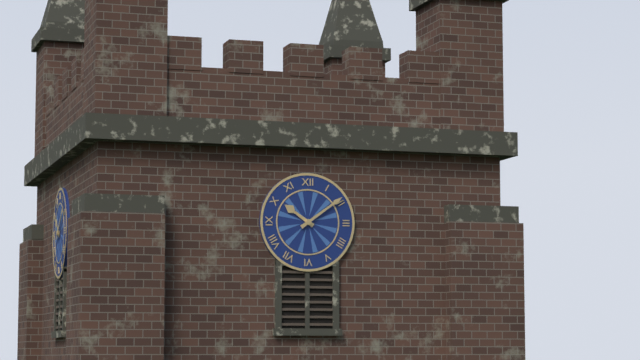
10:09
